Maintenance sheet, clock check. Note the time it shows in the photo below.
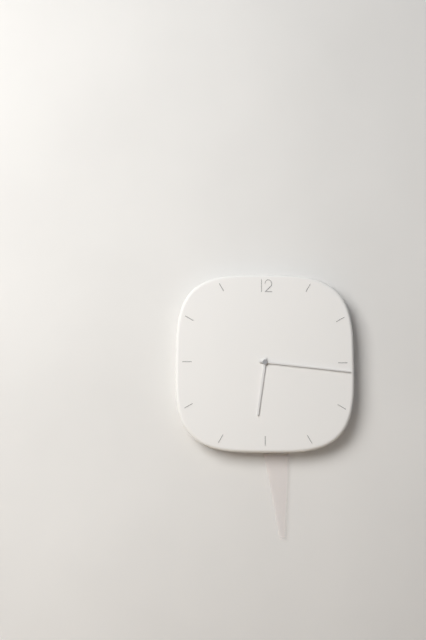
6:16
